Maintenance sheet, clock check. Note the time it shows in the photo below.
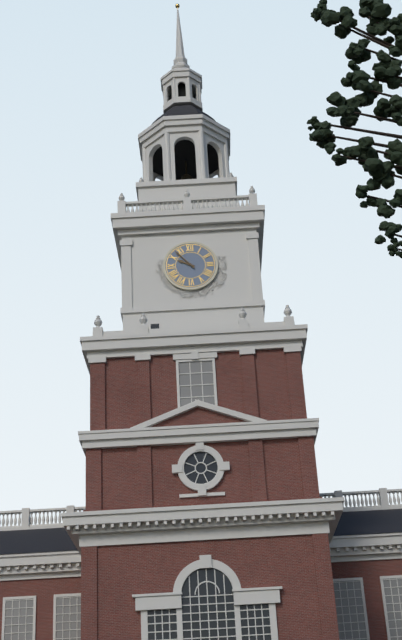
9:53
